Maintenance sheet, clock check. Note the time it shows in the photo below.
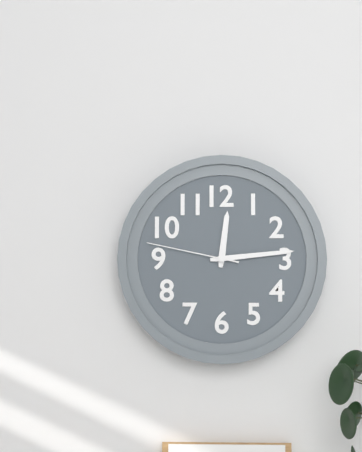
12:14:47
